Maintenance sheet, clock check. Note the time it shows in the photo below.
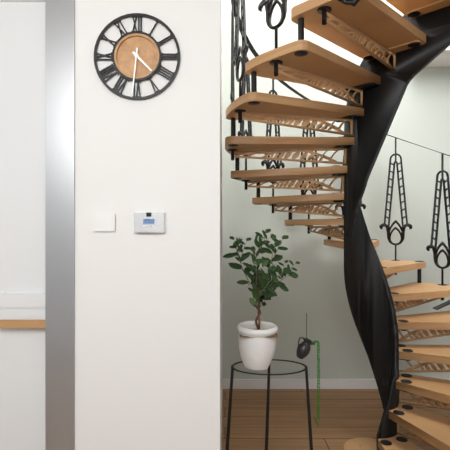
4:31
